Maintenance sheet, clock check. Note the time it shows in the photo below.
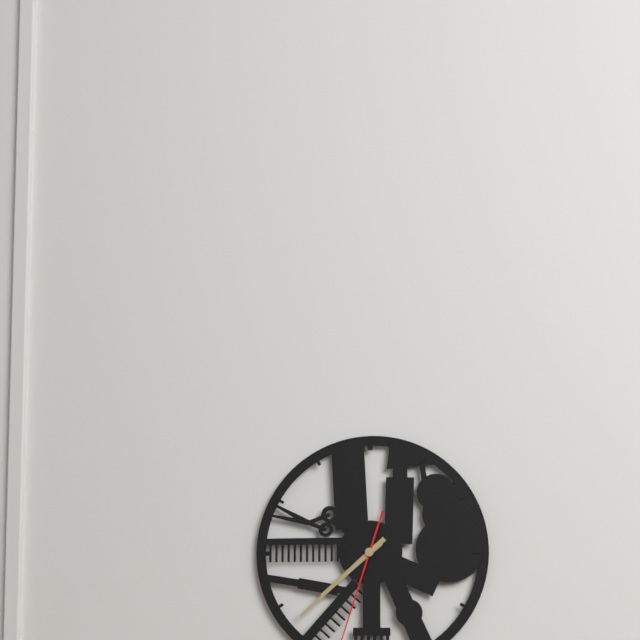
7:38
